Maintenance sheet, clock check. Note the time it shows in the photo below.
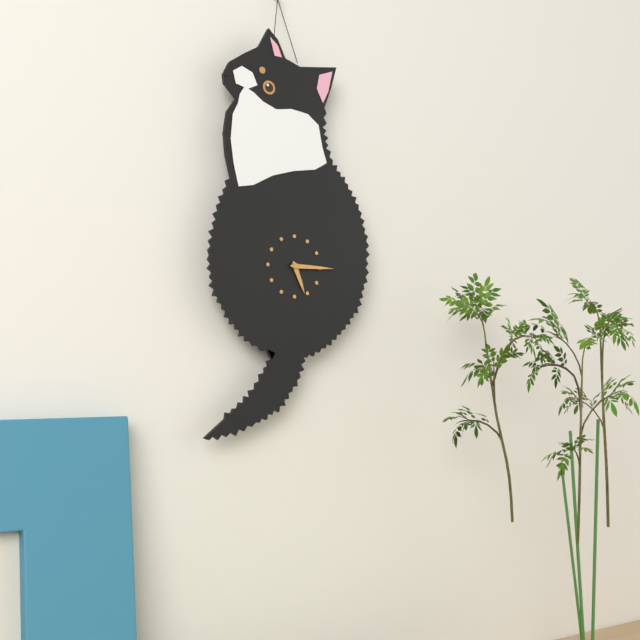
5:15
